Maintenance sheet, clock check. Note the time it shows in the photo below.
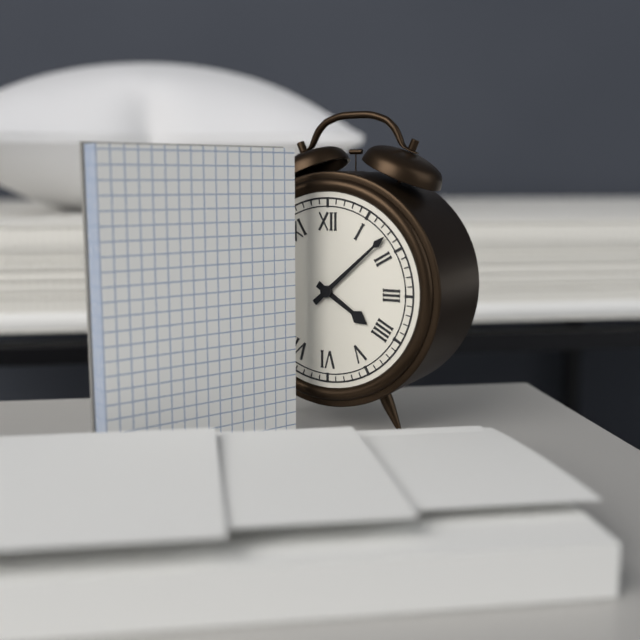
4:08
